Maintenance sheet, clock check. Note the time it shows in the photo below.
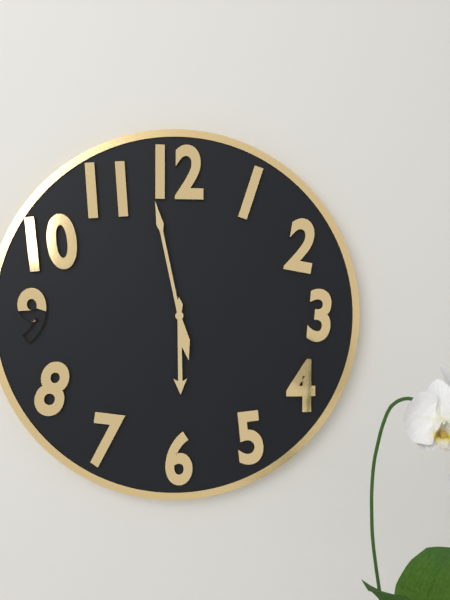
5:58
